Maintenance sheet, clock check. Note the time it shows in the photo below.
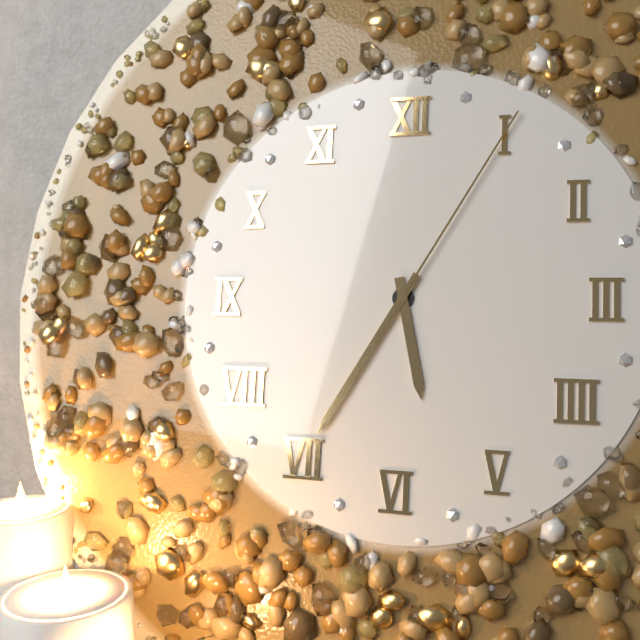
5:35:05
